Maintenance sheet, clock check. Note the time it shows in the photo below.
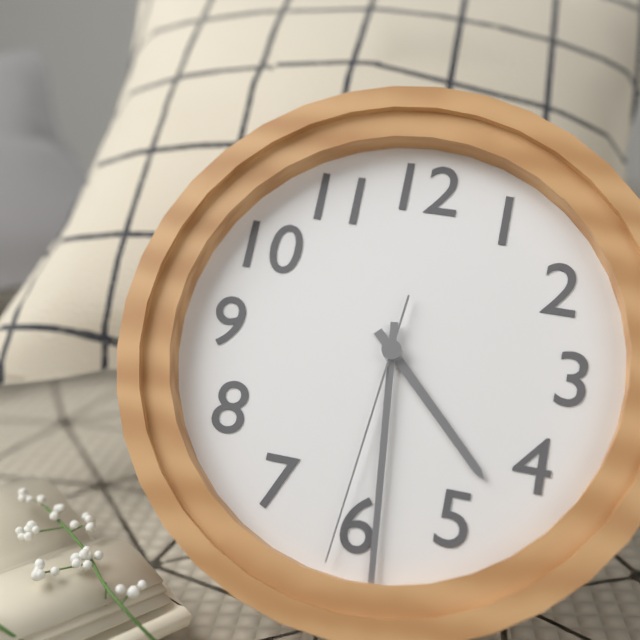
4:29:31
